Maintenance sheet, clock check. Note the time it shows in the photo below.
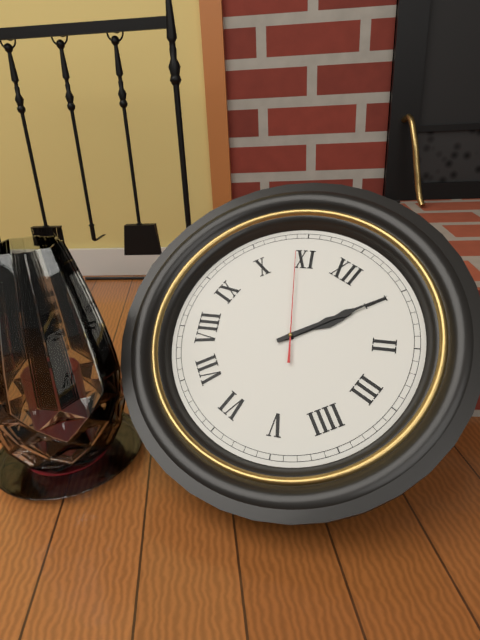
1:05:54
